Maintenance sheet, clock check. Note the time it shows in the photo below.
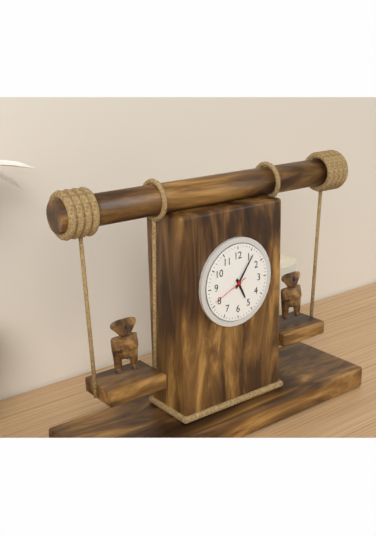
5:06
